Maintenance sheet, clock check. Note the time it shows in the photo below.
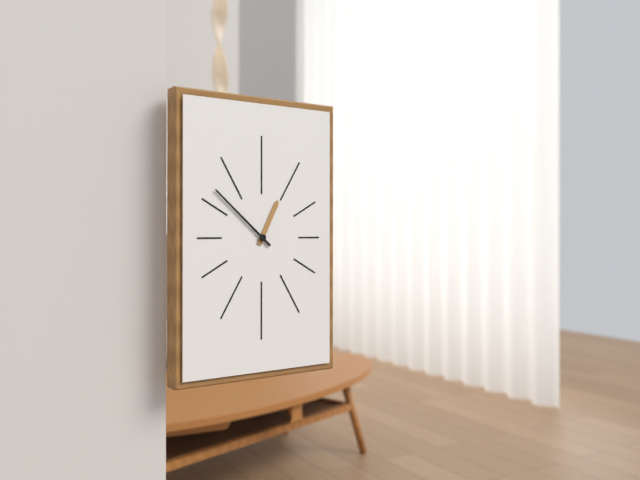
12:52
